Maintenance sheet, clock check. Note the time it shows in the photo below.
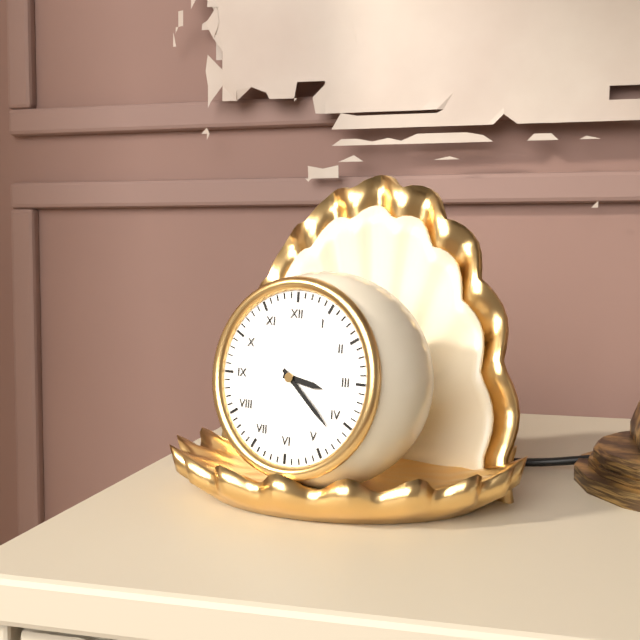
3:22
